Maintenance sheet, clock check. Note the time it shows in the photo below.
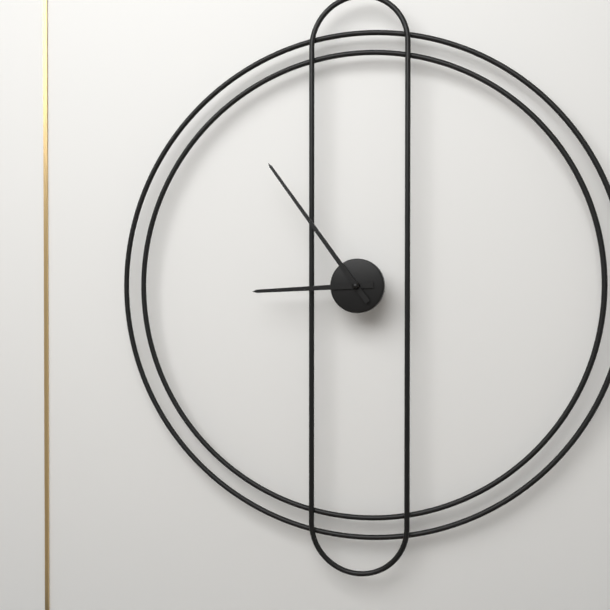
8:54
